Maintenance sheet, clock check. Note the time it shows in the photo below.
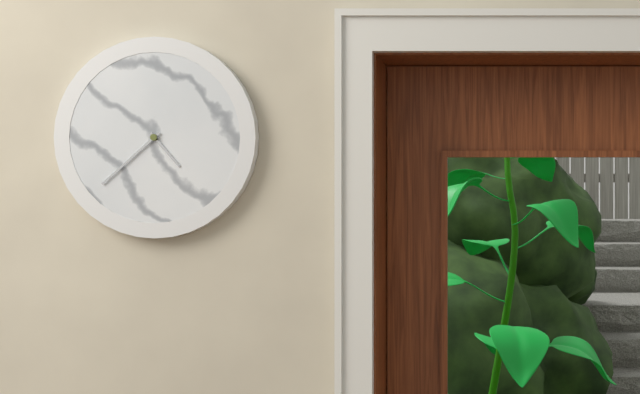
4:38
